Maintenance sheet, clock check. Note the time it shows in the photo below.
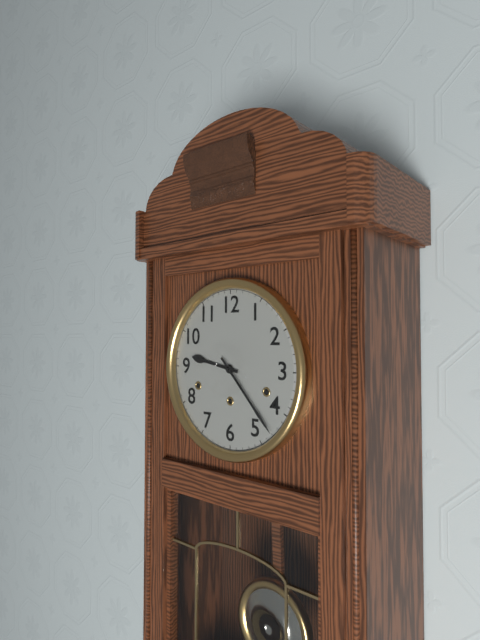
9:23
